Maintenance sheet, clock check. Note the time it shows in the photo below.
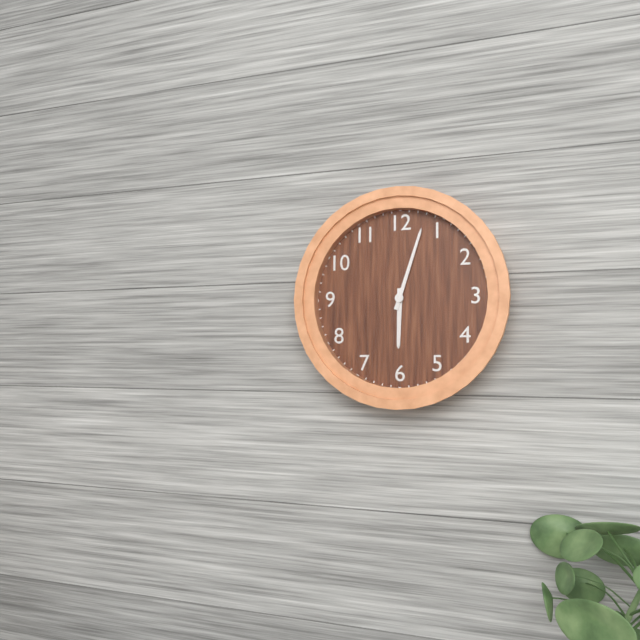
6:03
